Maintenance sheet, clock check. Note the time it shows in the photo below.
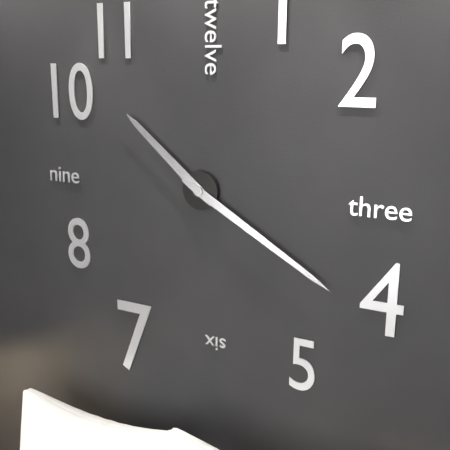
10:20
